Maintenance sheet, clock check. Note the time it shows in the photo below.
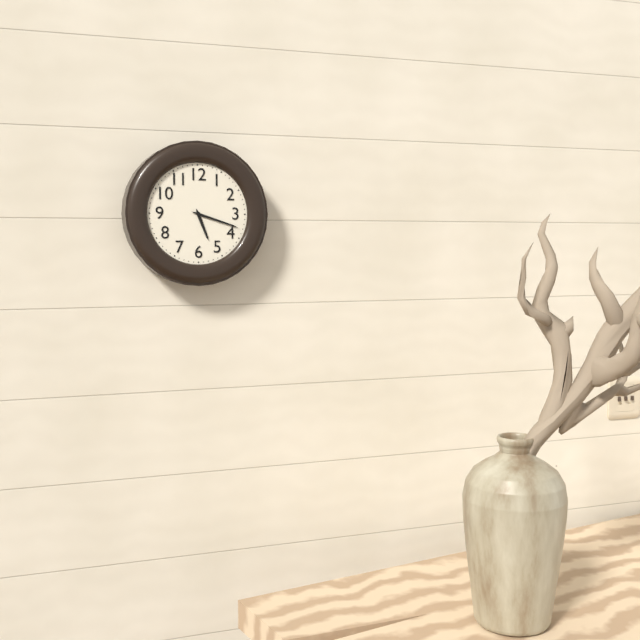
5:18
